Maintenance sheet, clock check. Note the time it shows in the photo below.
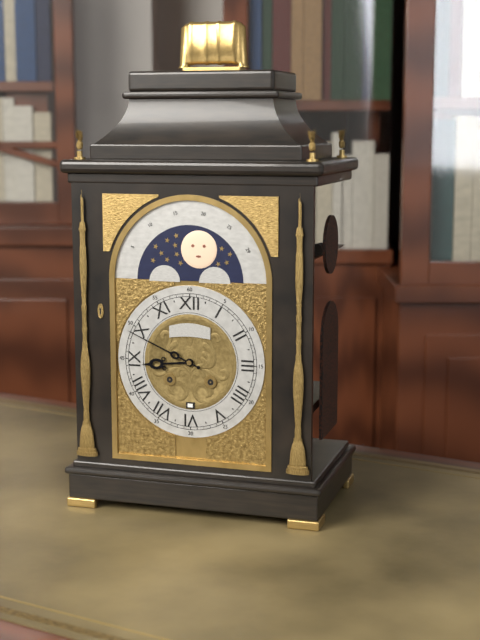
8:49
